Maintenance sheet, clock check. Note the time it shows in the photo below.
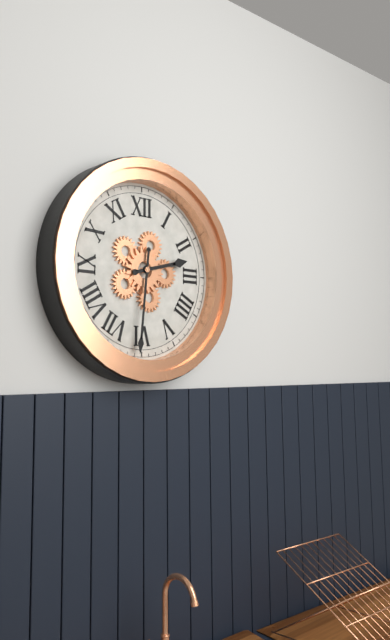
2:31
